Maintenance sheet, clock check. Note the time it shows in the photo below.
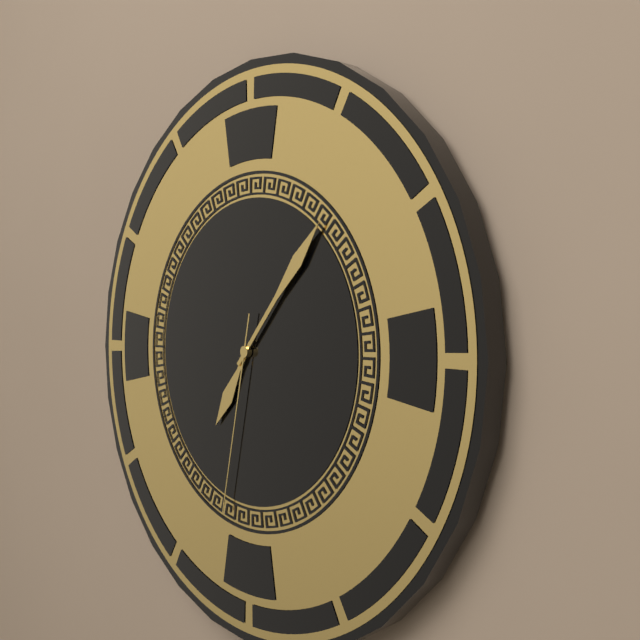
7:07:32
